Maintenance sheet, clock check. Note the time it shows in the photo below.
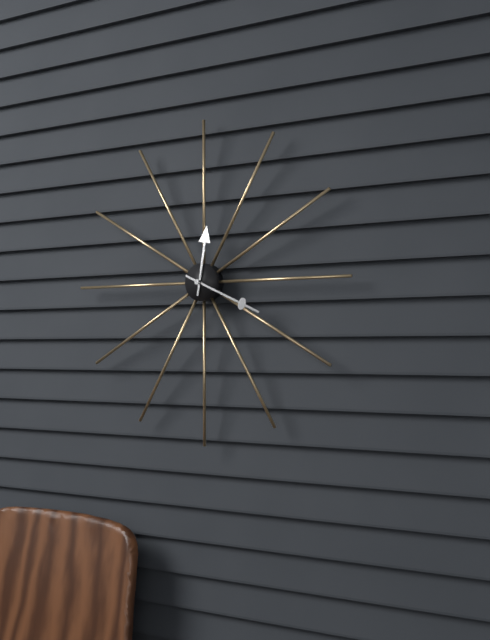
12:19
